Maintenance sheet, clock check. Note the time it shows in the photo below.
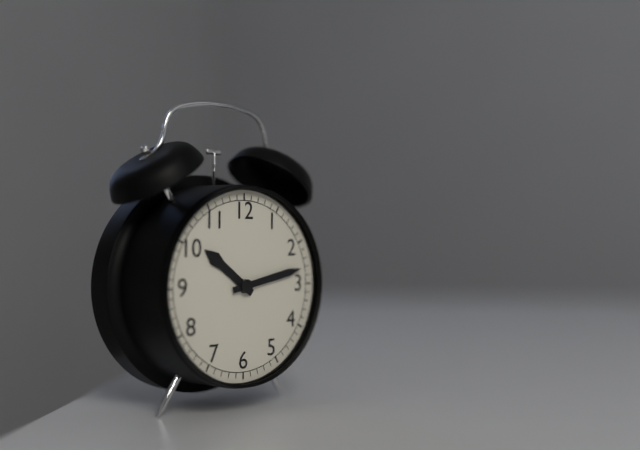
10:13
